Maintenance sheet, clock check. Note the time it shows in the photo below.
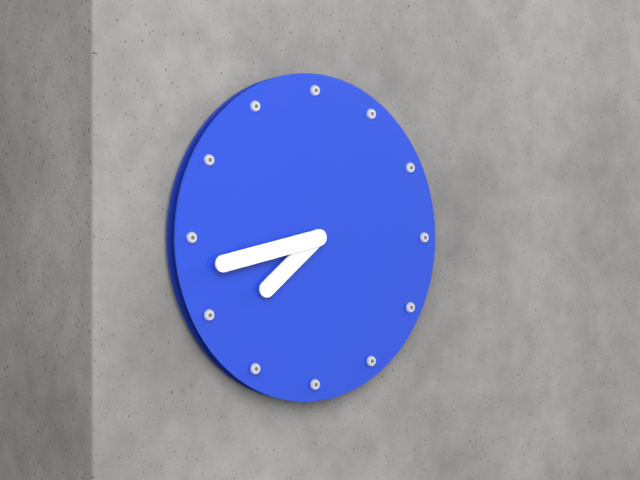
7:43
